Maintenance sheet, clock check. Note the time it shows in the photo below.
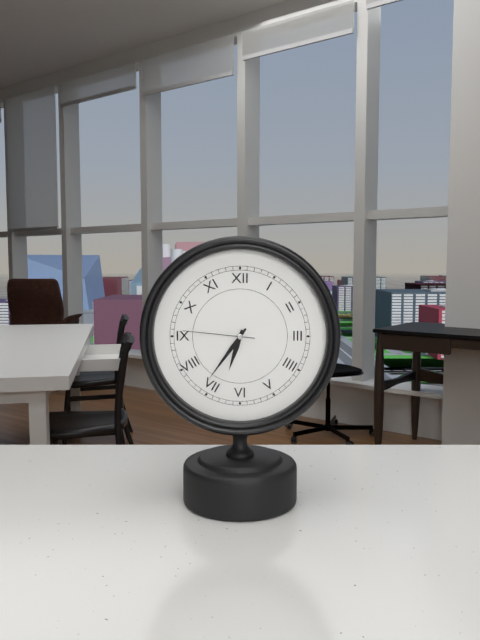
6:36:46
